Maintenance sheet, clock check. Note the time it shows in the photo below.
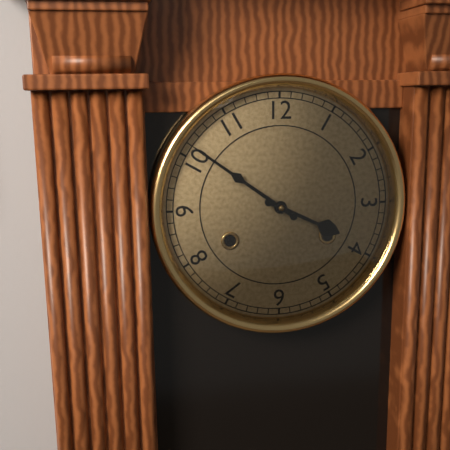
3:51
